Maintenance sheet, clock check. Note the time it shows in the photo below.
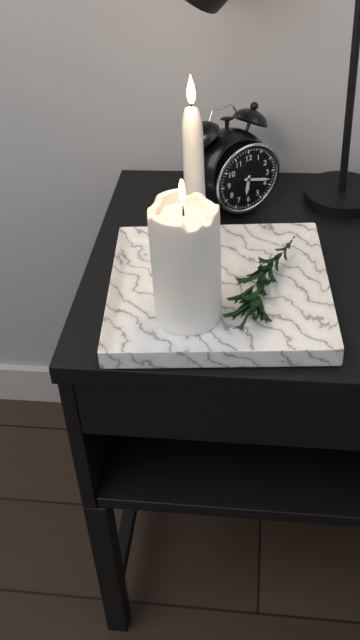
6:18
